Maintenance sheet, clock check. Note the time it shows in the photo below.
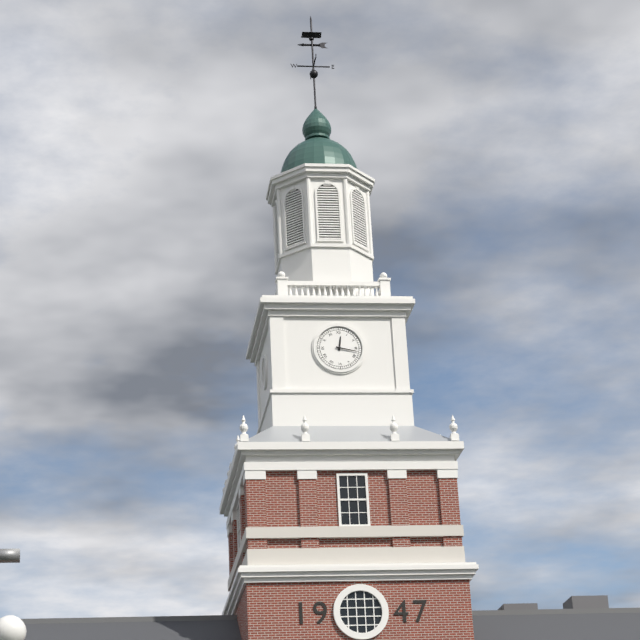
12:17
